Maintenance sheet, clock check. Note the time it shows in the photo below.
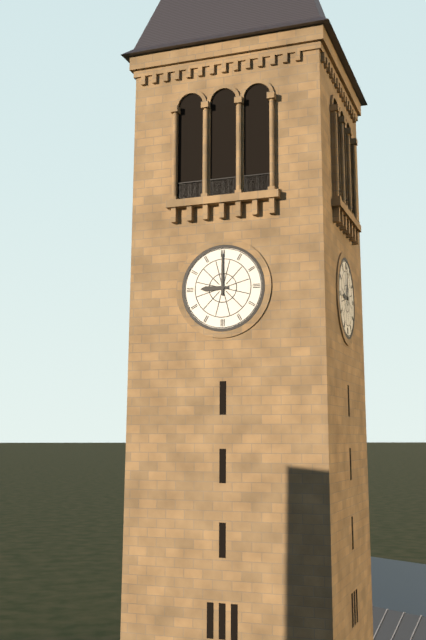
9:00
